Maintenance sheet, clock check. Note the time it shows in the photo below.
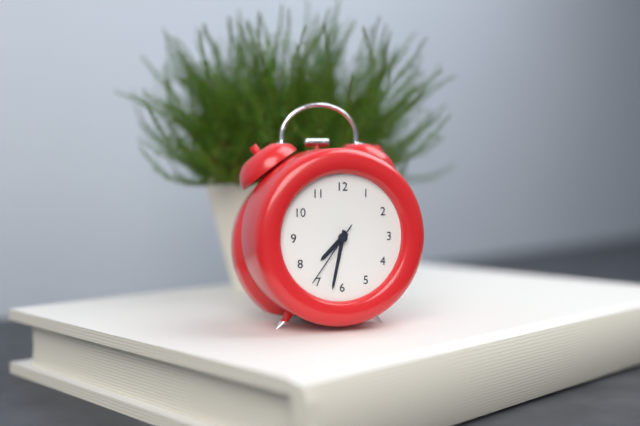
7:32:36
